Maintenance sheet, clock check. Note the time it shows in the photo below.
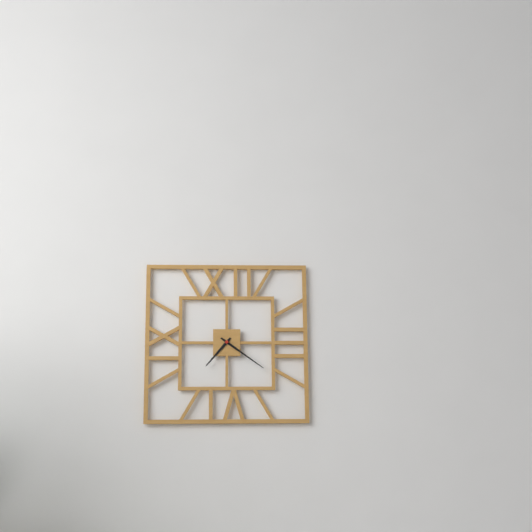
7:21
